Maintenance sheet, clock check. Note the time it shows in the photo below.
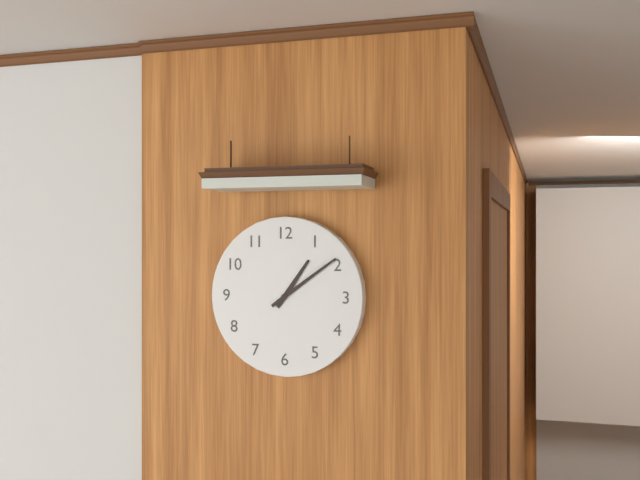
1:09
